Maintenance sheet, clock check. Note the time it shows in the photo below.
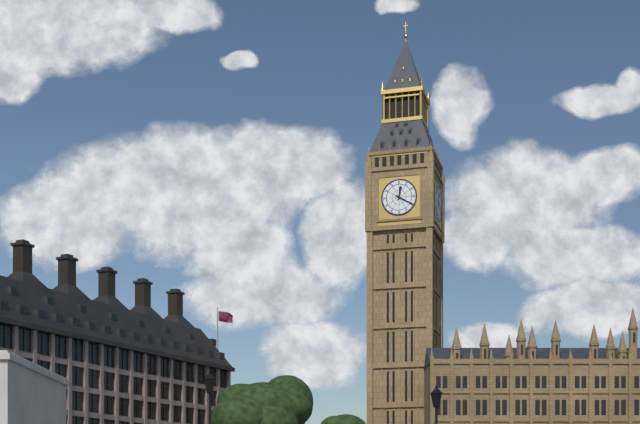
12:20
